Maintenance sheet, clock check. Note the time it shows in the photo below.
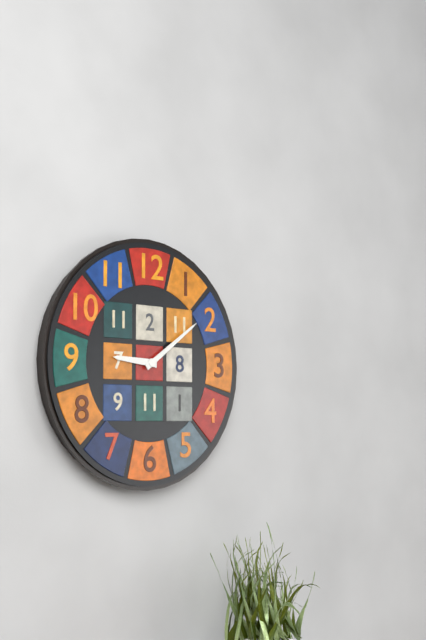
9:09
